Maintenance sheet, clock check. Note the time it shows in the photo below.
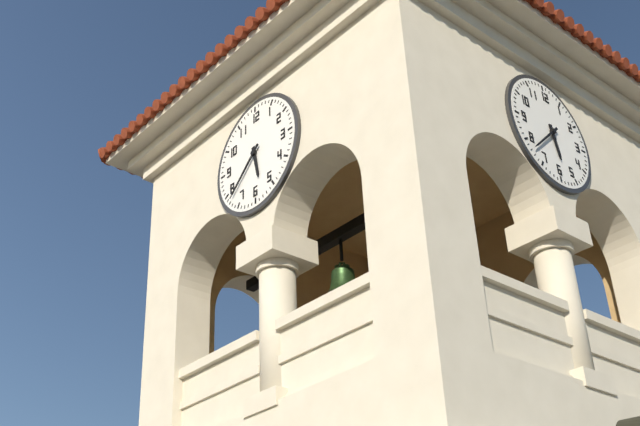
5:38
